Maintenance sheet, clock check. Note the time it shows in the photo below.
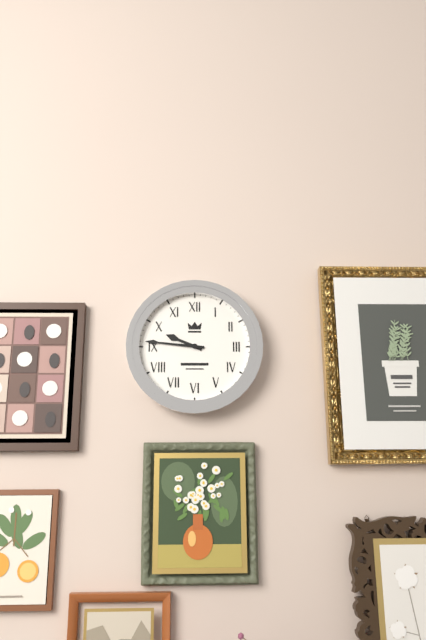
9:46
